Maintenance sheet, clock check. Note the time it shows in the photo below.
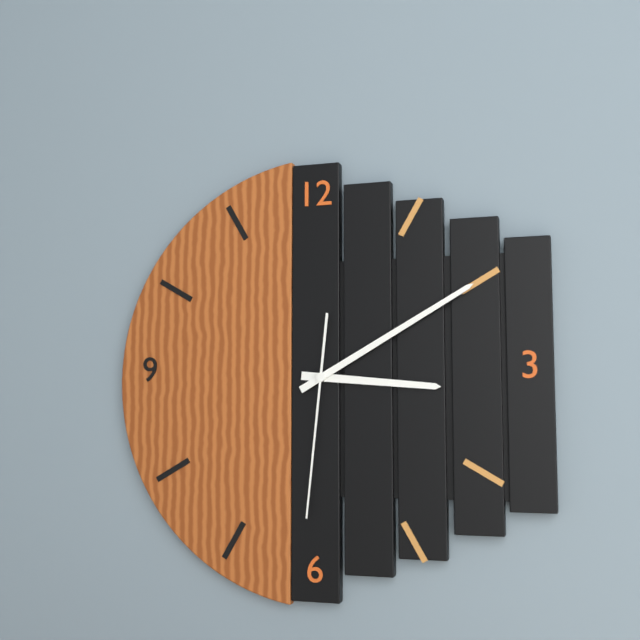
3:10:31
